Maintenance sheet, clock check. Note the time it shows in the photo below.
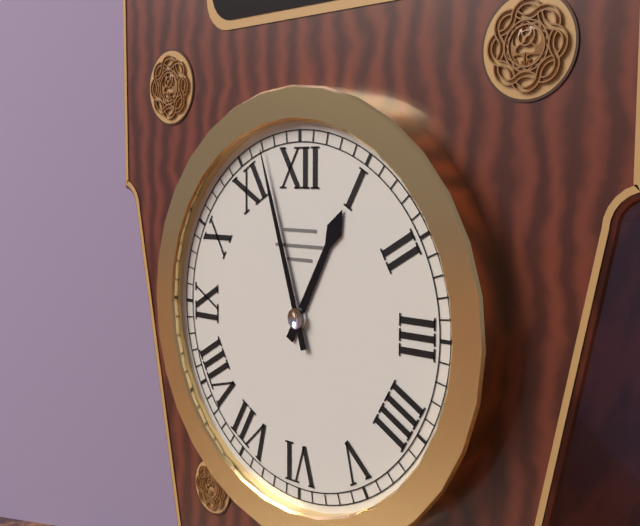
12:57
